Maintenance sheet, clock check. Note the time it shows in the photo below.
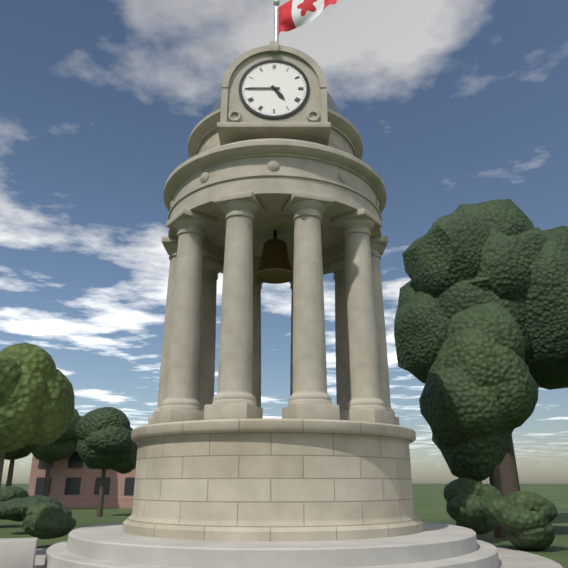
4:45
